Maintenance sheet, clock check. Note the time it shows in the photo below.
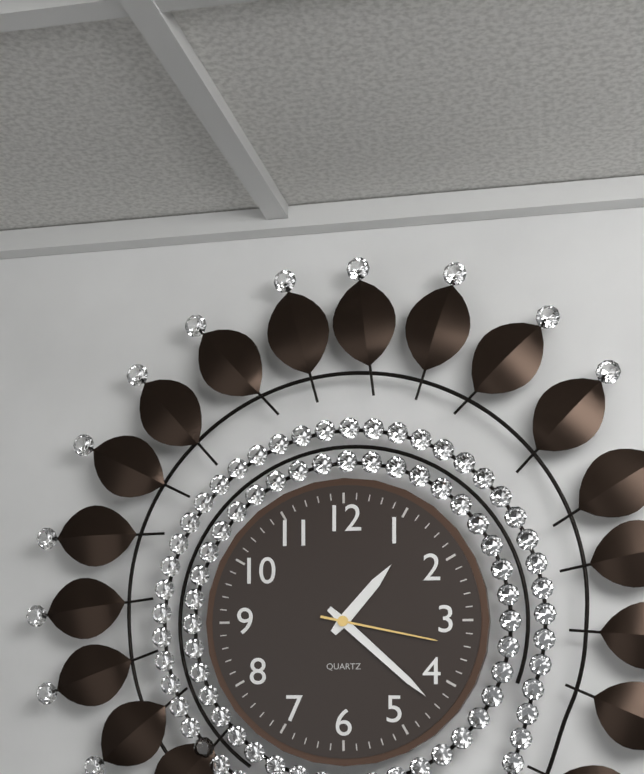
1:22:17
